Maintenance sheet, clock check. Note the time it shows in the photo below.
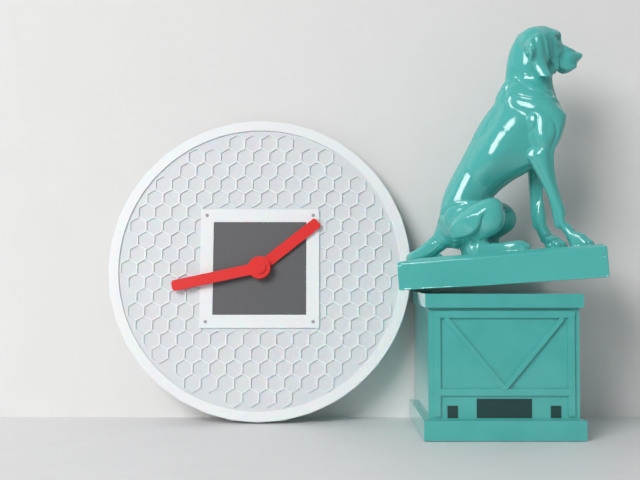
1:43
